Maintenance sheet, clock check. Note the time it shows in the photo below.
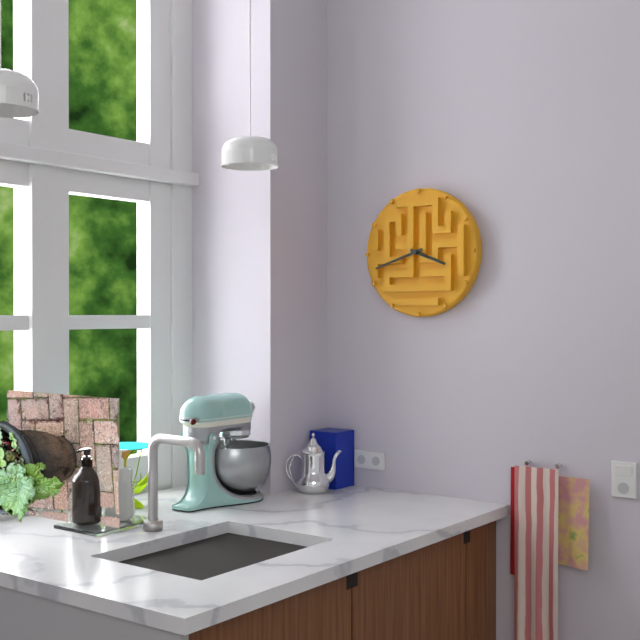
3:42
